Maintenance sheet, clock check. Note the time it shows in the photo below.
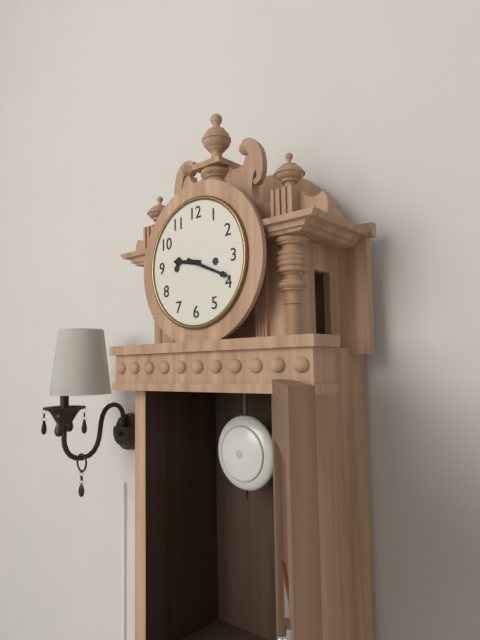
9:19
